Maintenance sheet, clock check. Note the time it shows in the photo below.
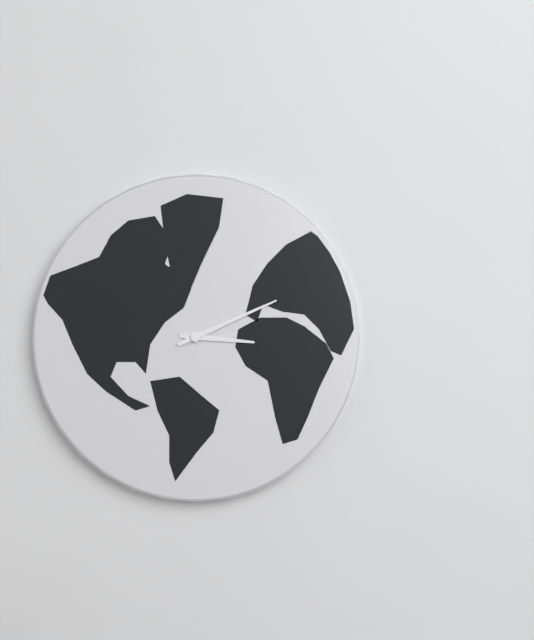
3:11
